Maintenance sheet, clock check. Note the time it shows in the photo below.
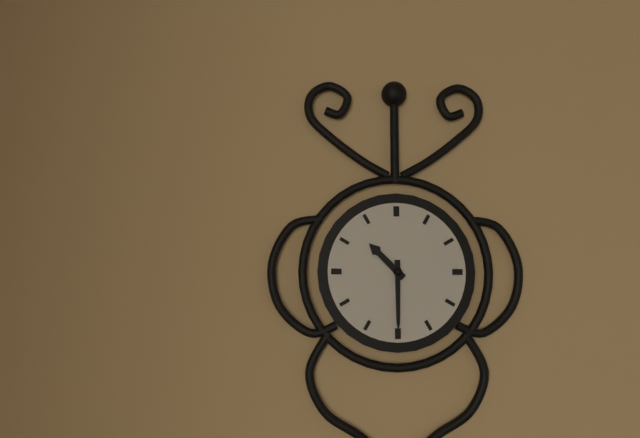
10:30
